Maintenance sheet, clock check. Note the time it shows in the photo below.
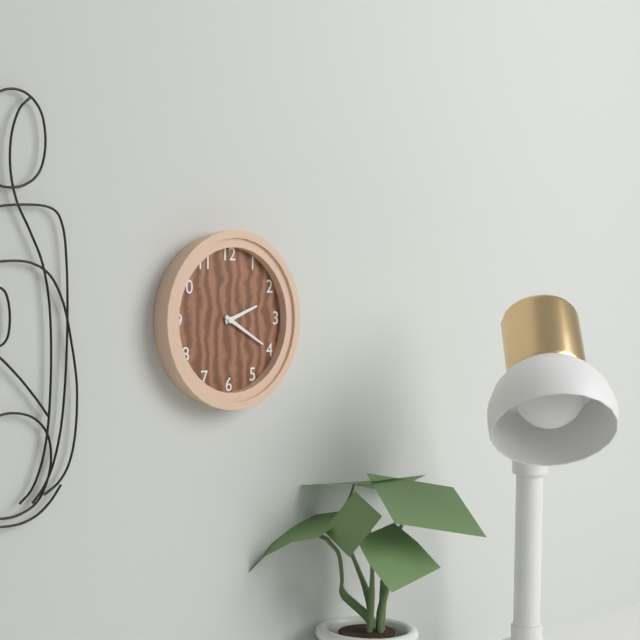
2:20
